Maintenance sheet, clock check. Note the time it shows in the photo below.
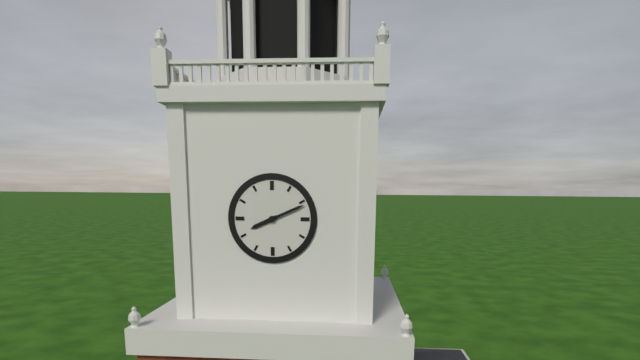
8:11
